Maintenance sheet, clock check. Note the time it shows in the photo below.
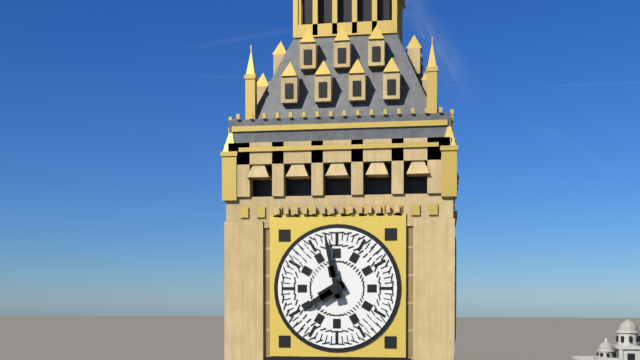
7:58
